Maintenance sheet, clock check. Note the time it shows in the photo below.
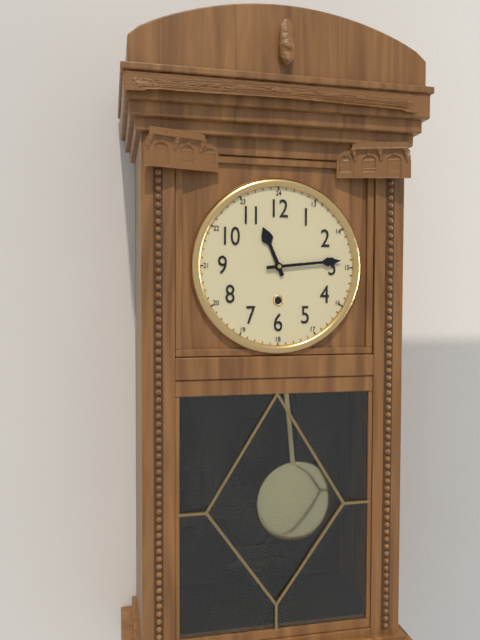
11:14
